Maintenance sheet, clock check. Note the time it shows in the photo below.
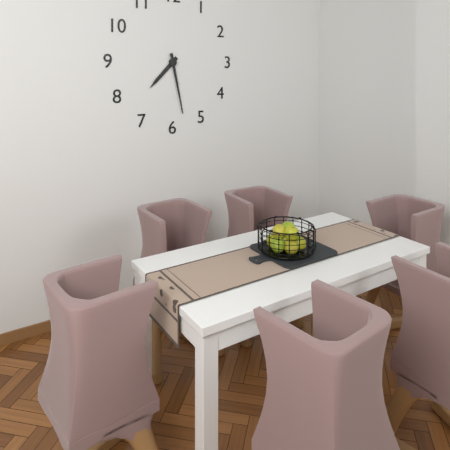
7:28
